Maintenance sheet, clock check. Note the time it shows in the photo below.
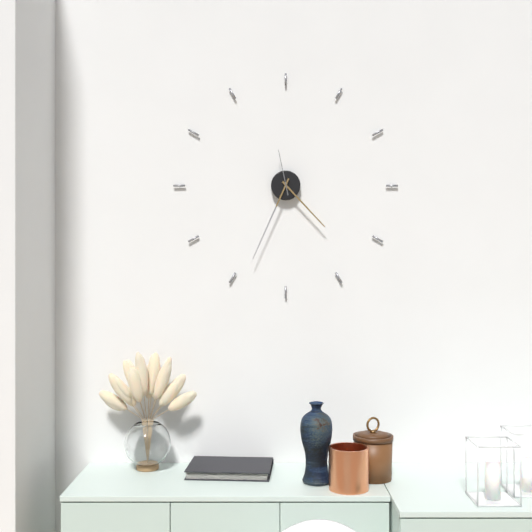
4:34
